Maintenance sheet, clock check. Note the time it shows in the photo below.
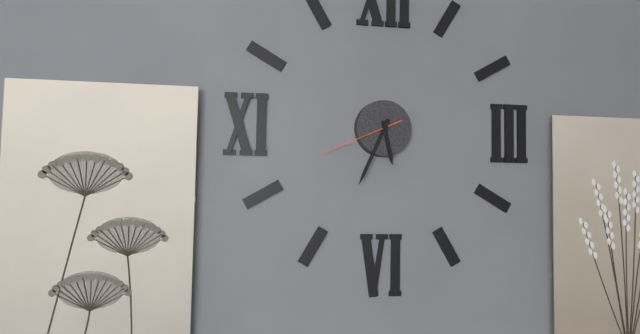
5:34:41
